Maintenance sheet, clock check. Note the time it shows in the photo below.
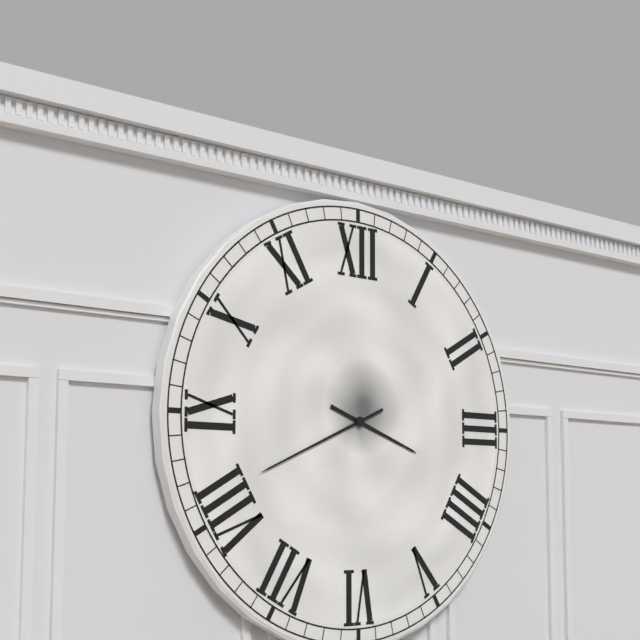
3:41
